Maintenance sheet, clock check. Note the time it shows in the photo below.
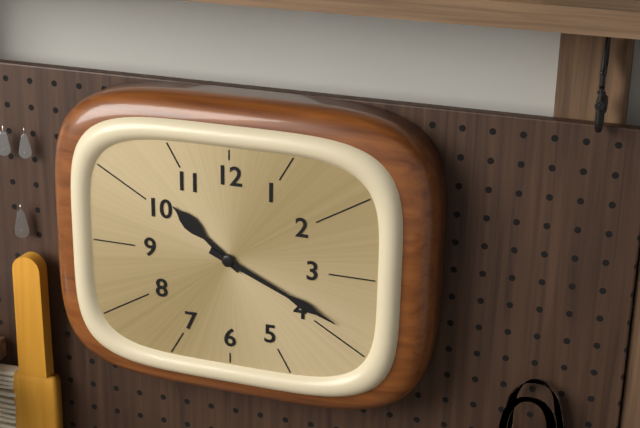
10:19
